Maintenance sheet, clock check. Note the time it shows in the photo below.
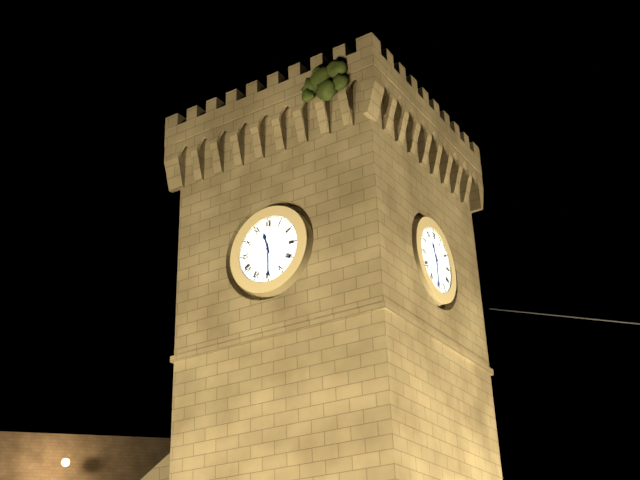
11:30
